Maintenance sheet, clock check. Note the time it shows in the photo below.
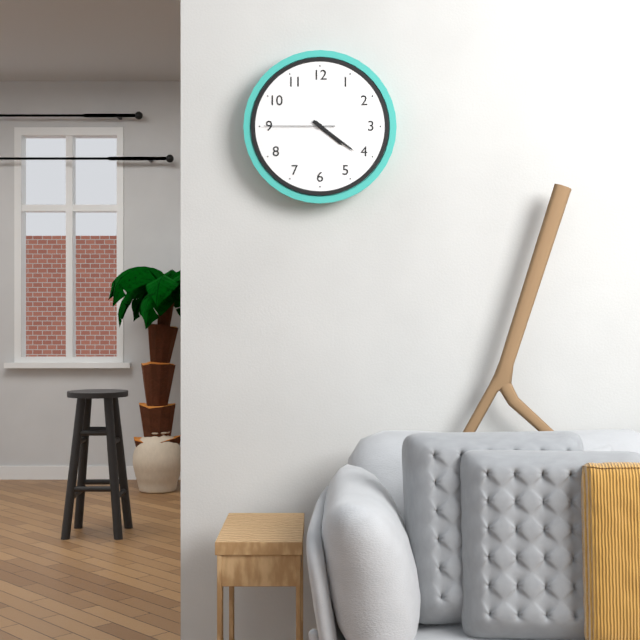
4:21:45
